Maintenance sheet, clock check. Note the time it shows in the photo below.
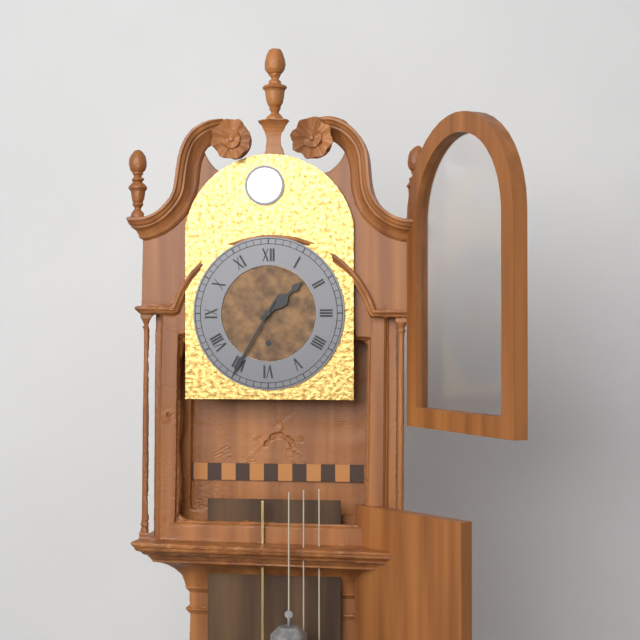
1:35
